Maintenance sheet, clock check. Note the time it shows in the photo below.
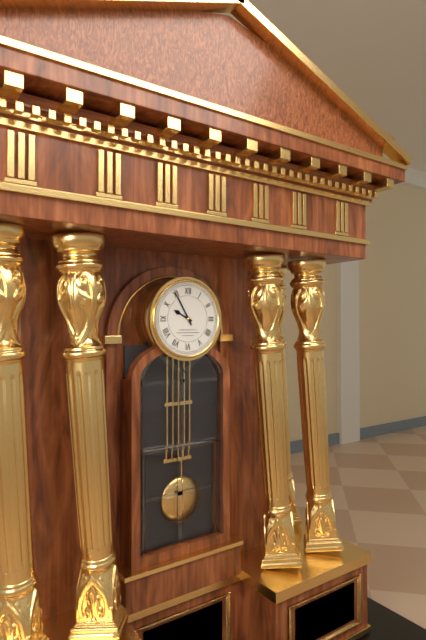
9:55
